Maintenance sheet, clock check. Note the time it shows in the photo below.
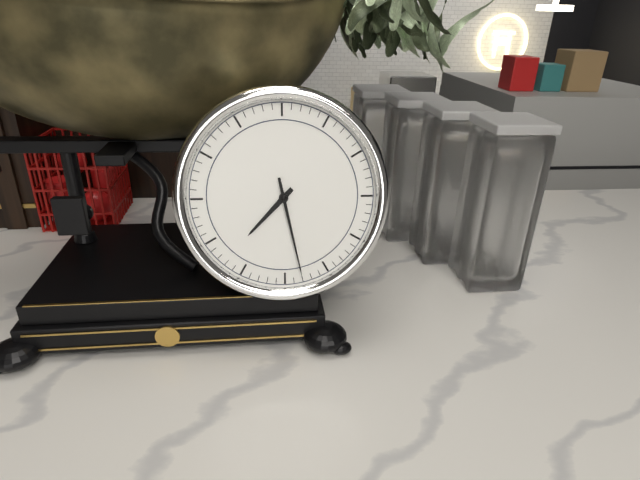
7:28
